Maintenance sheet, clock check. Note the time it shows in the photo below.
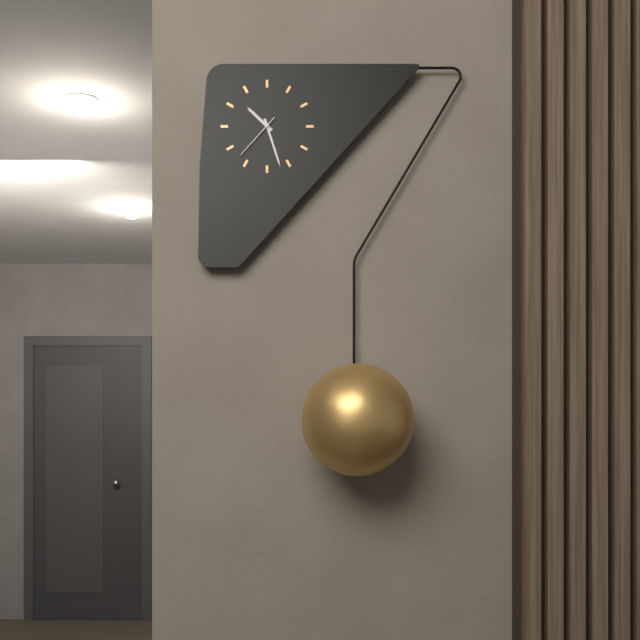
10:27
